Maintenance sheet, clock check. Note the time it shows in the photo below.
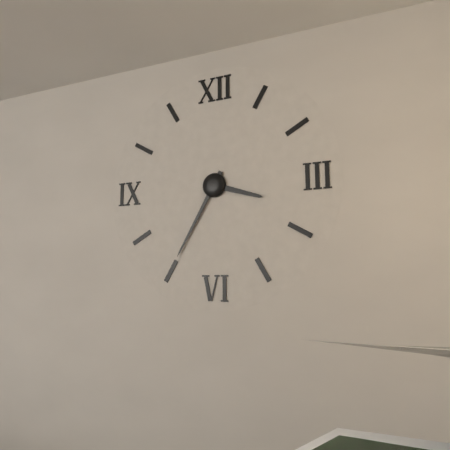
3:35
